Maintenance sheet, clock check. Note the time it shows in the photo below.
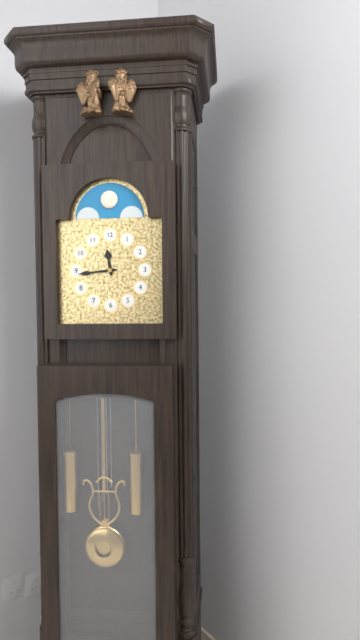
11:44
